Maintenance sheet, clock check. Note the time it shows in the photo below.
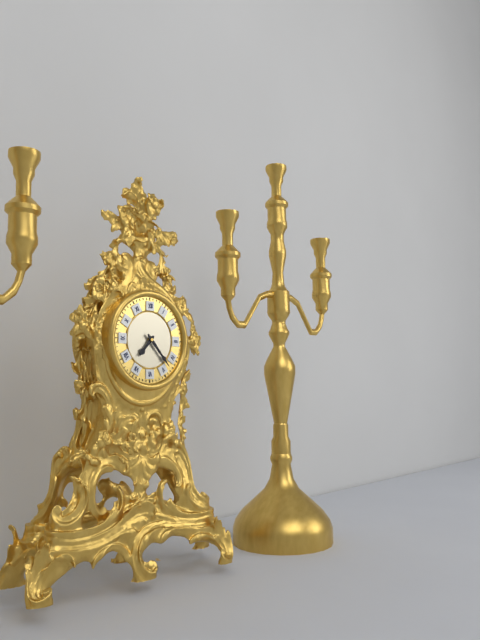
7:23
